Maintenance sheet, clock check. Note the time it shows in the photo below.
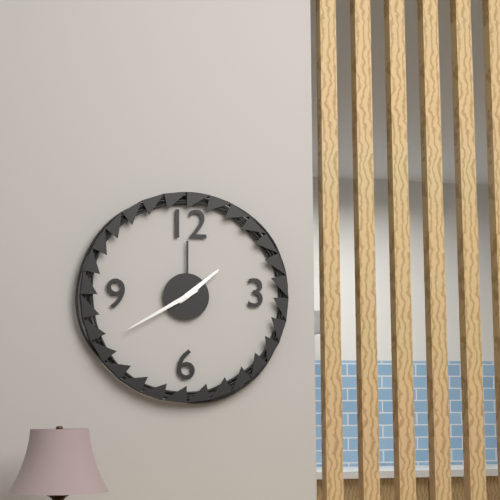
1:40
